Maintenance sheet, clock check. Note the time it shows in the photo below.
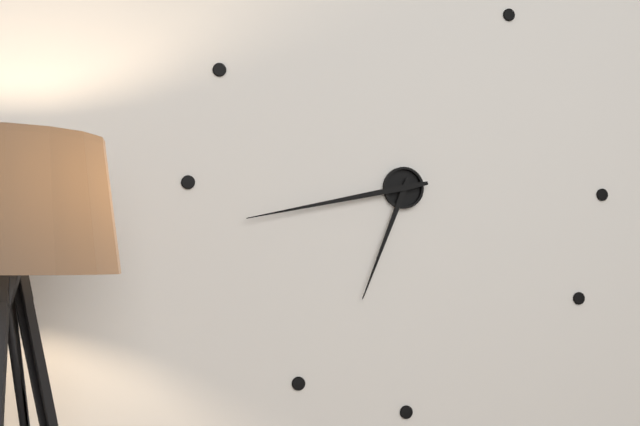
6:43
